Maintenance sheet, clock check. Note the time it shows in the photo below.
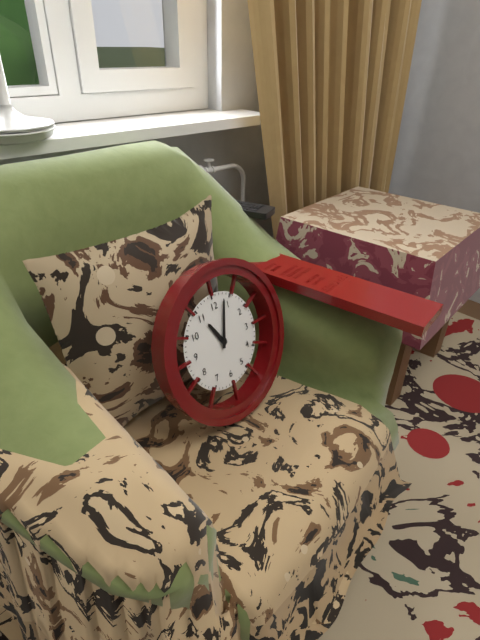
11:03
